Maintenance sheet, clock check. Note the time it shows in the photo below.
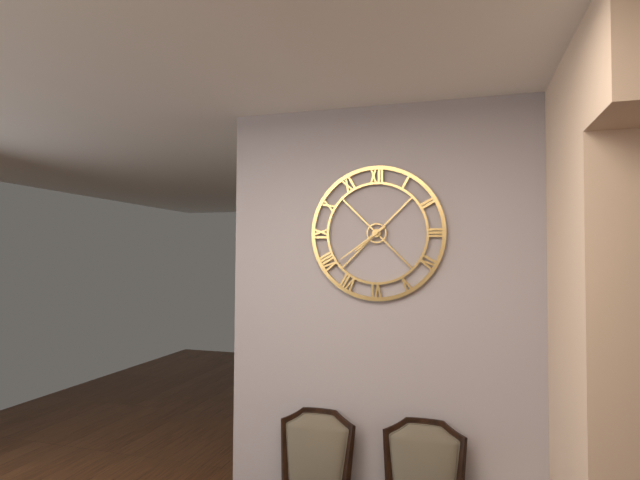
7:39
